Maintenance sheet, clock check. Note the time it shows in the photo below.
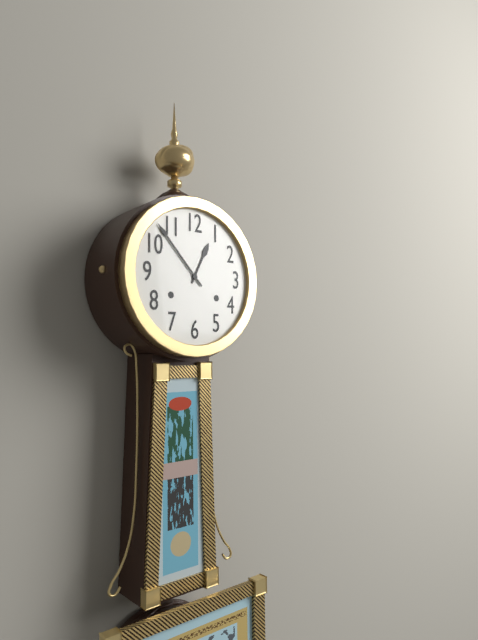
12:53
